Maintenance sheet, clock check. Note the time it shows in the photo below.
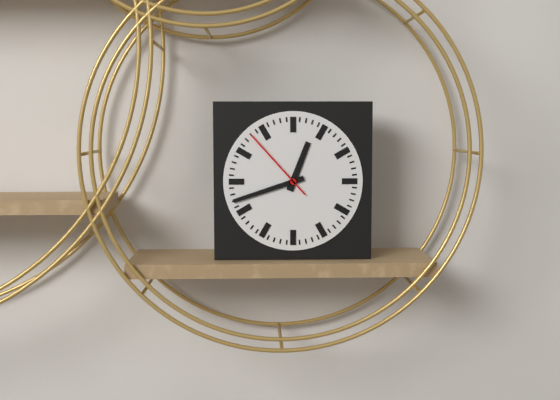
12:42:53
